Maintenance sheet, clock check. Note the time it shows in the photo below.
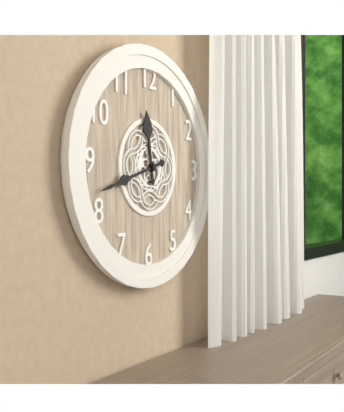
11:42
